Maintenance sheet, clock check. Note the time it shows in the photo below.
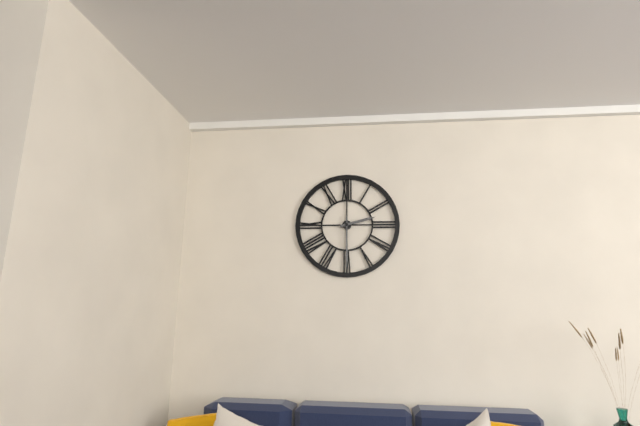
2:30
